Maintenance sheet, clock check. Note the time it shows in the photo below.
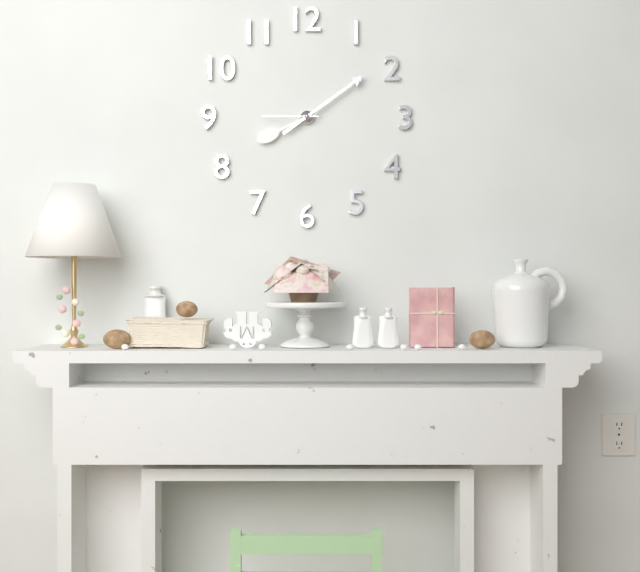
8:09:45
